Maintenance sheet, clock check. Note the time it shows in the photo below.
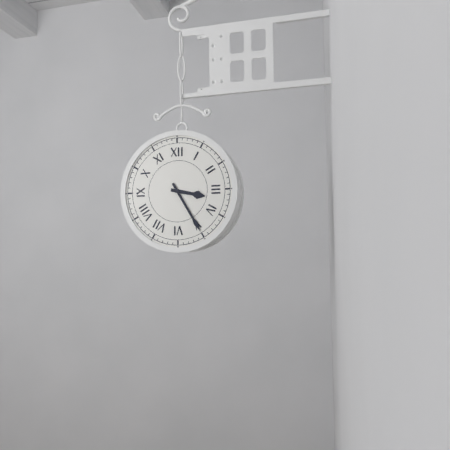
3:25
